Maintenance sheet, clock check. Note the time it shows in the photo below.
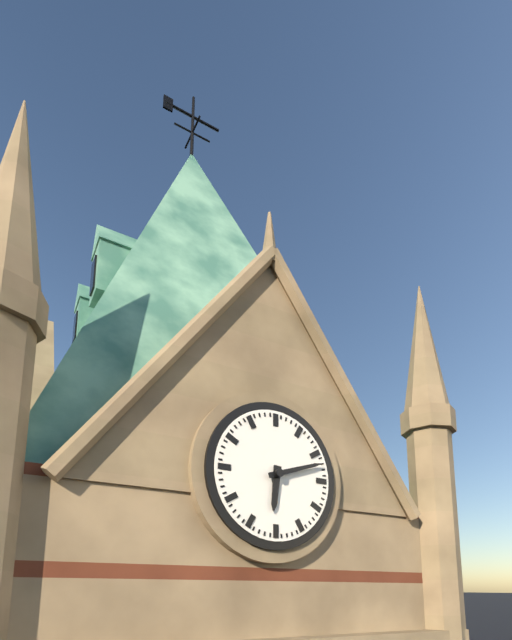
6:12
